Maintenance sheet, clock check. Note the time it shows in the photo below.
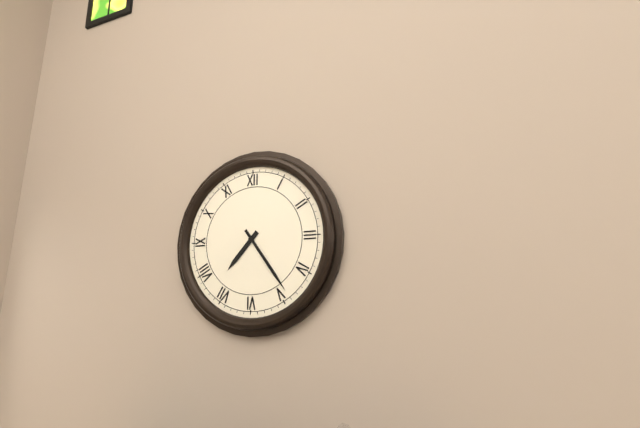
7:24
